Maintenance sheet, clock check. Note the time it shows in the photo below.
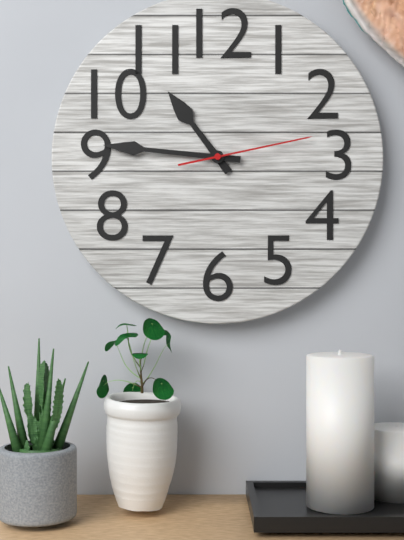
10:46:13
